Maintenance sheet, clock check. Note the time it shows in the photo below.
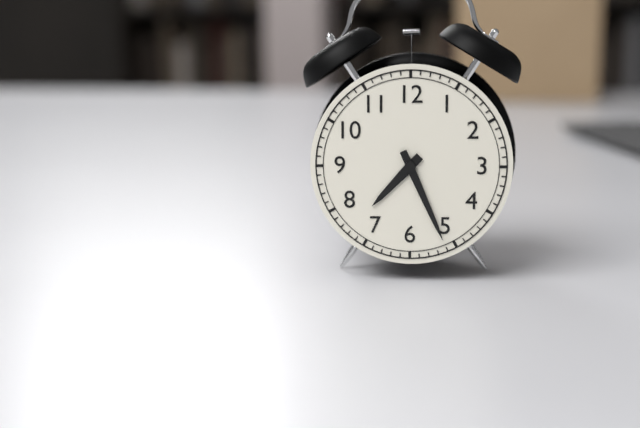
7:26
